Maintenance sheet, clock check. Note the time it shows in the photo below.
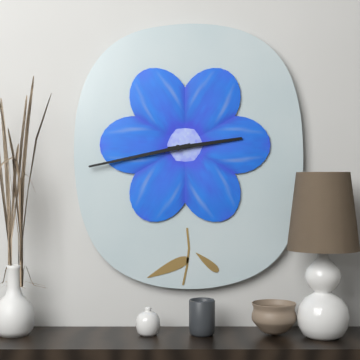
2:43
